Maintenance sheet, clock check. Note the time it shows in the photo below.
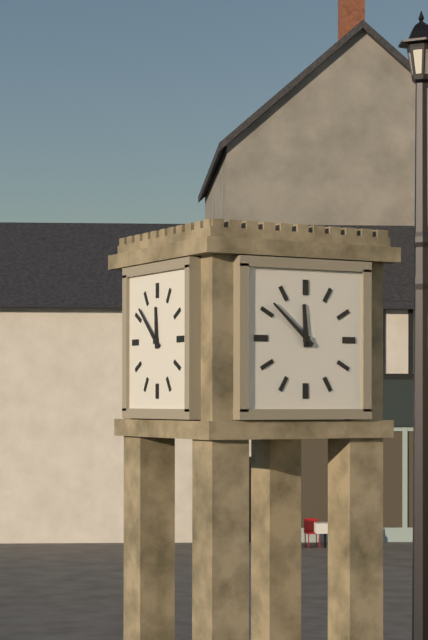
11:52
